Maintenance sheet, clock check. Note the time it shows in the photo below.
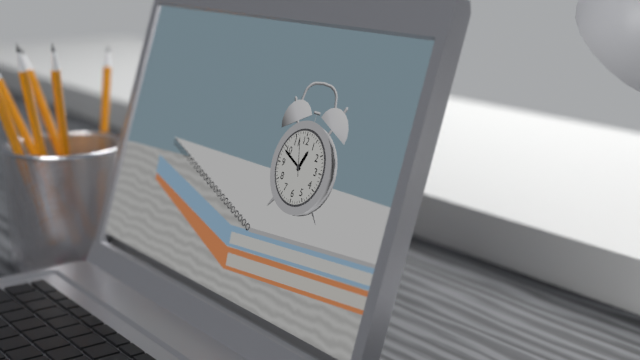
12:49
